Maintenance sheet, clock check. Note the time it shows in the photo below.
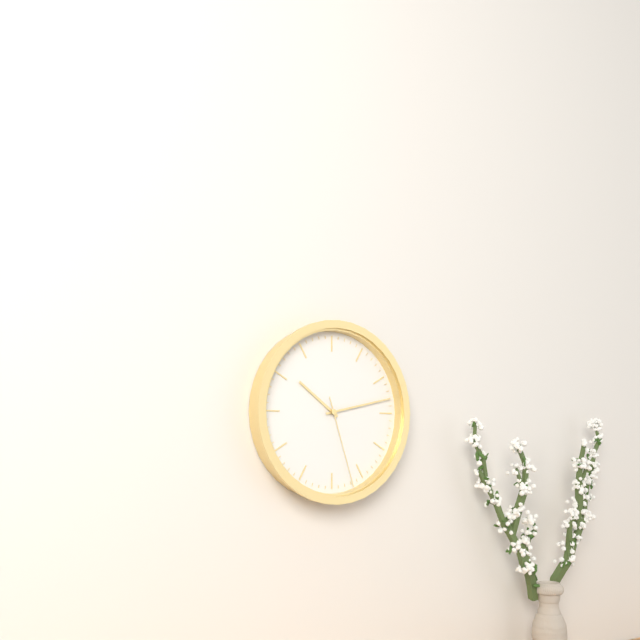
10:13:27
